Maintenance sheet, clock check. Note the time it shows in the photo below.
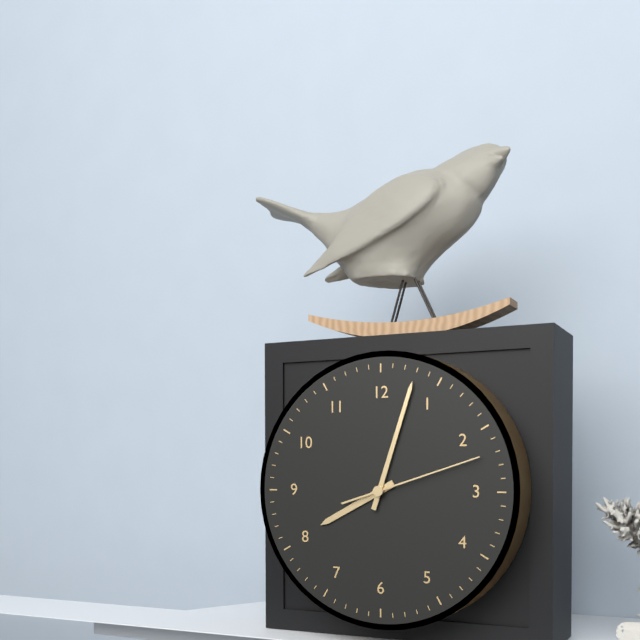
8:03:12
